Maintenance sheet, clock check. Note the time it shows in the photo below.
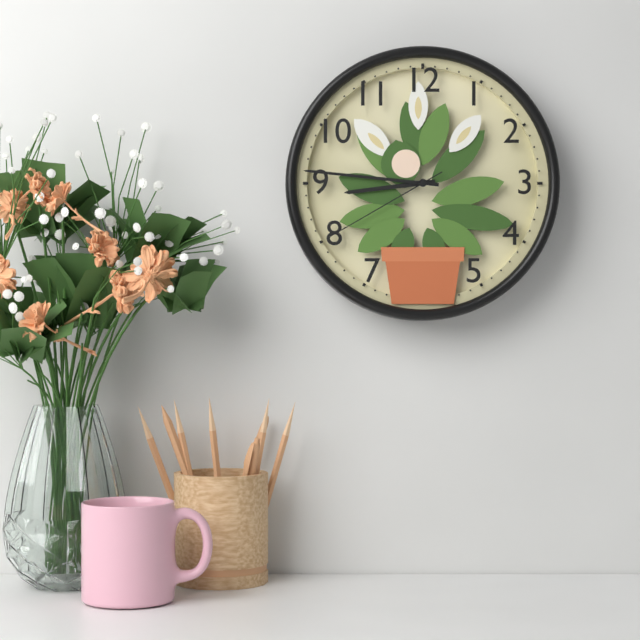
8:46:40
